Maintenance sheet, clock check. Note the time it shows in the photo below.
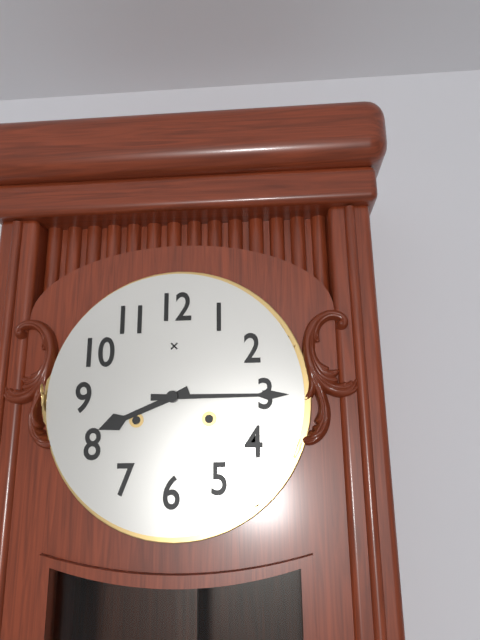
8:15
